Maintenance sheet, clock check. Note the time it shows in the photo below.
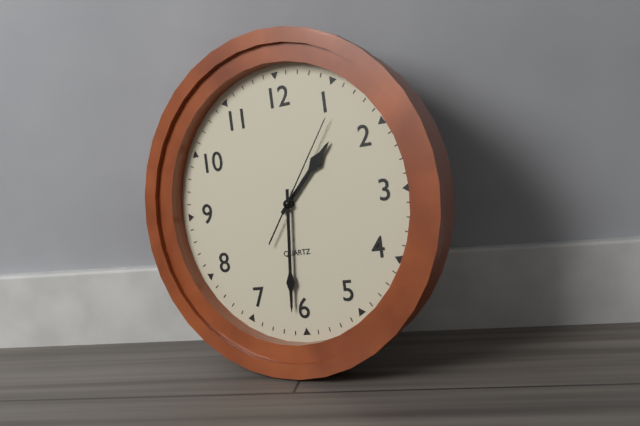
1:31:06
